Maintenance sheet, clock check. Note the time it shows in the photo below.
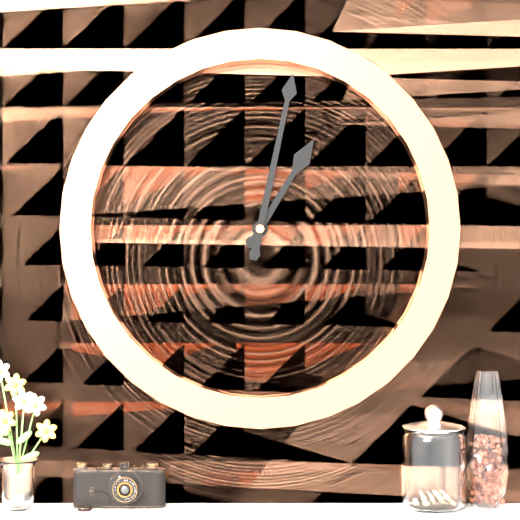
1:02
